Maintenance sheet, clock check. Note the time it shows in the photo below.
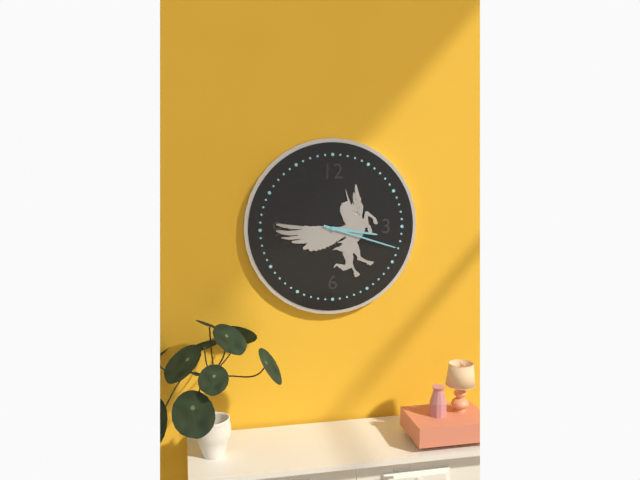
3:18
